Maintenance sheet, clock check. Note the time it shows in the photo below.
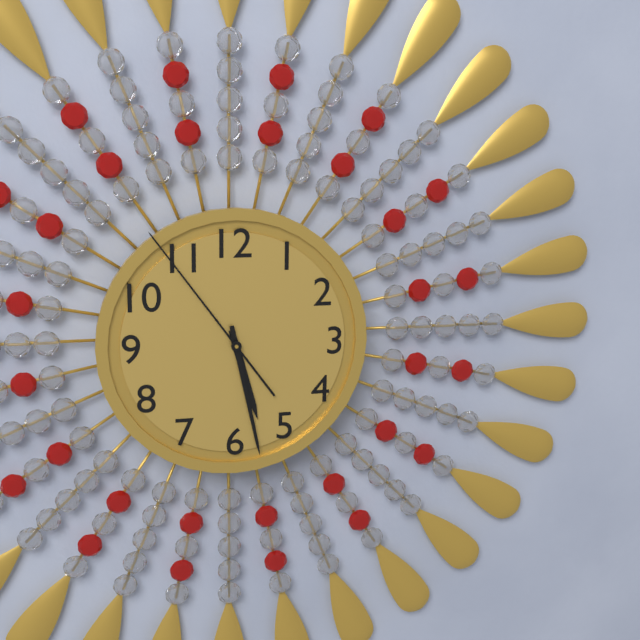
5:28:54
